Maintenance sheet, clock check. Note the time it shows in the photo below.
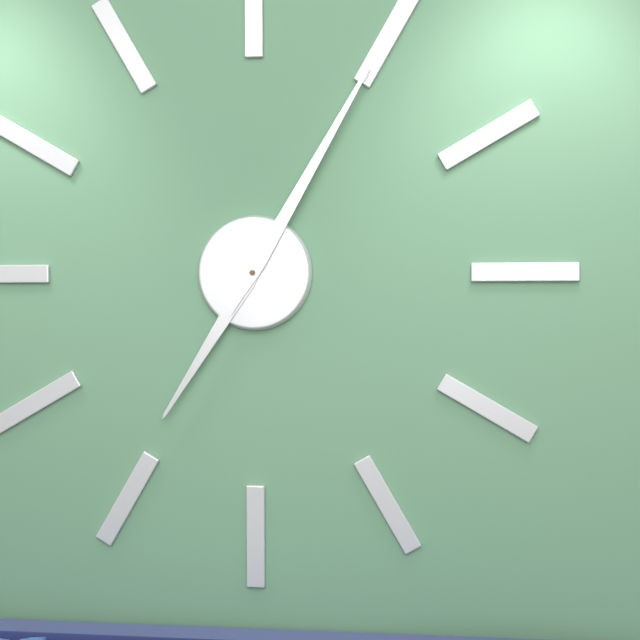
7:05
